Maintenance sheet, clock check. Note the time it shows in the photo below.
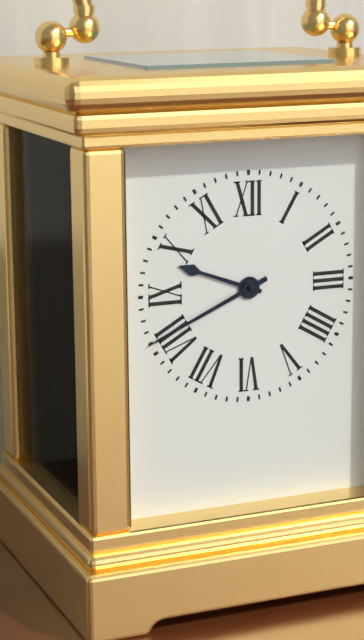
9:41
